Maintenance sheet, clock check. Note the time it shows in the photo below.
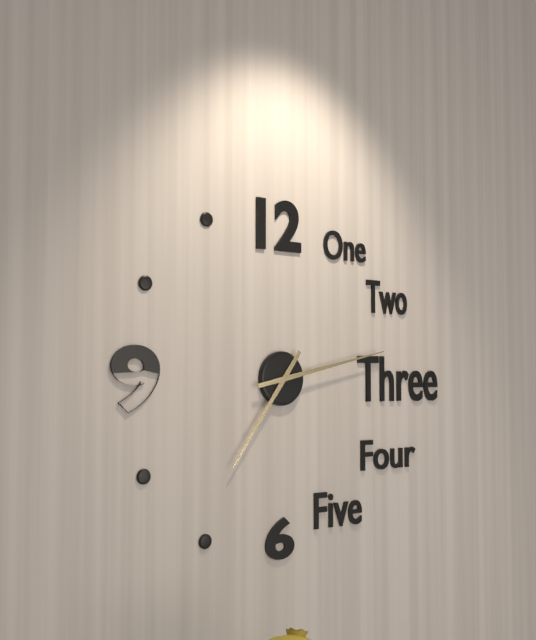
7:13
